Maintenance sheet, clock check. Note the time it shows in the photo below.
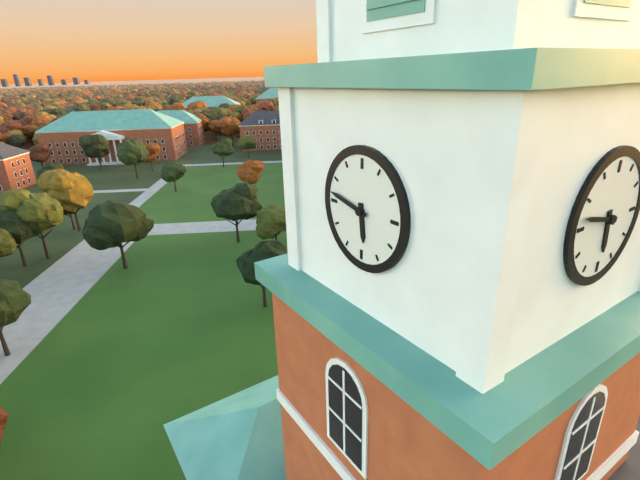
5:47
